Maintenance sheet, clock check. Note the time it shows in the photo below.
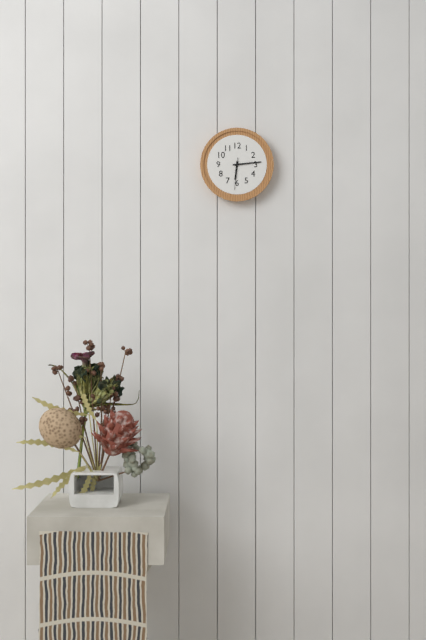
6:14
